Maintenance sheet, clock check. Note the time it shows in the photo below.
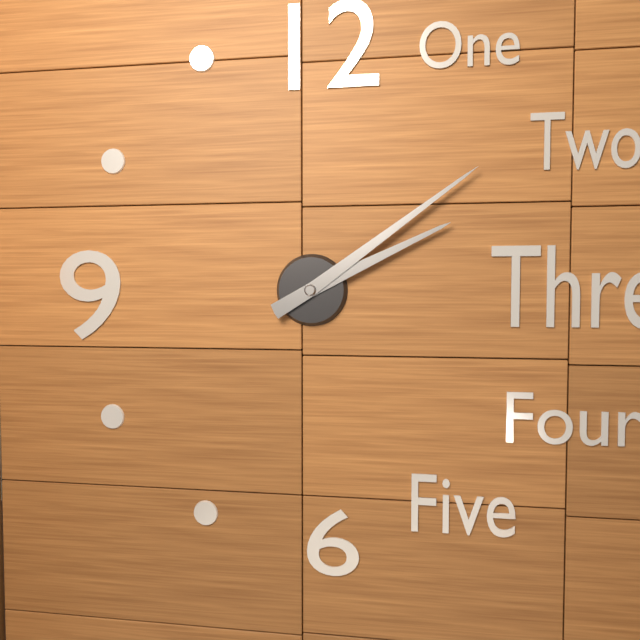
2:09
